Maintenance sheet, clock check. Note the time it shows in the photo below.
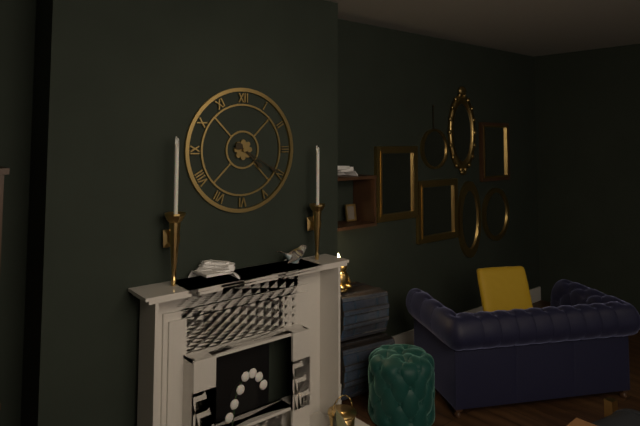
4:20
